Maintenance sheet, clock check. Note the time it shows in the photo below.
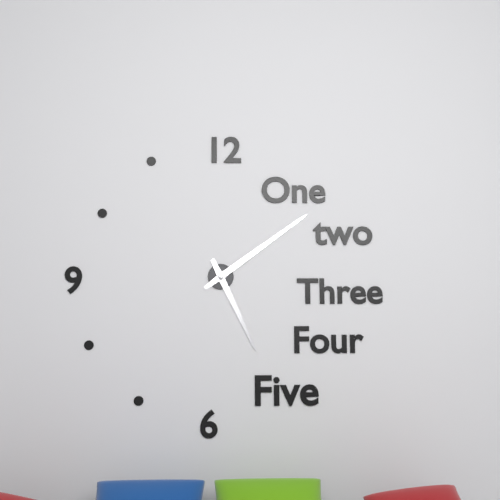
5:09
